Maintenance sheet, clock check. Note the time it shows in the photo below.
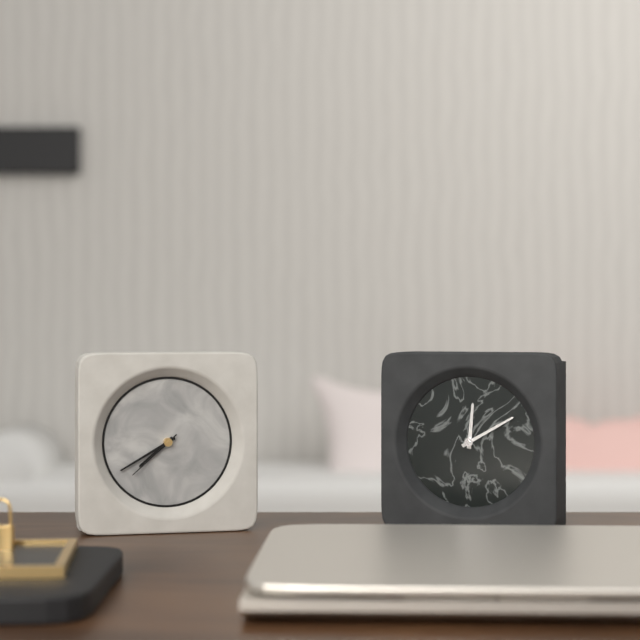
7:40:38
